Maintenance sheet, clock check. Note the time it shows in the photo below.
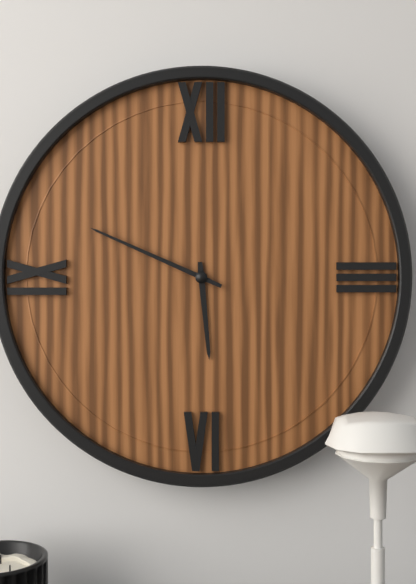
5:49
